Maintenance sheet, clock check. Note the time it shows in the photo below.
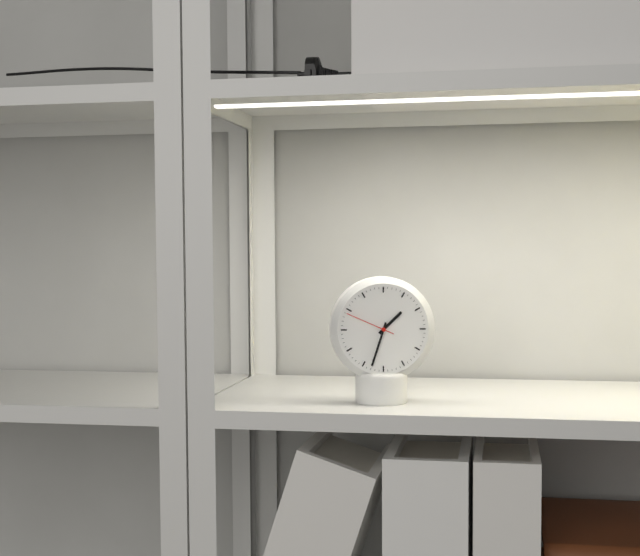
1:33:49
